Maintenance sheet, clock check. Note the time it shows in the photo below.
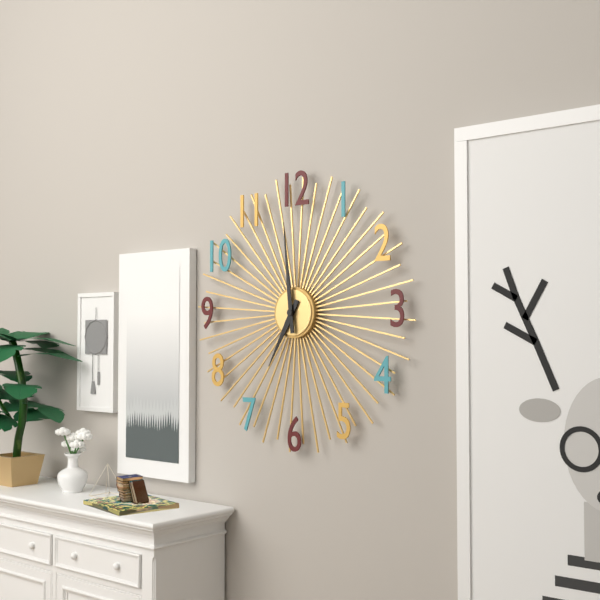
6:59
